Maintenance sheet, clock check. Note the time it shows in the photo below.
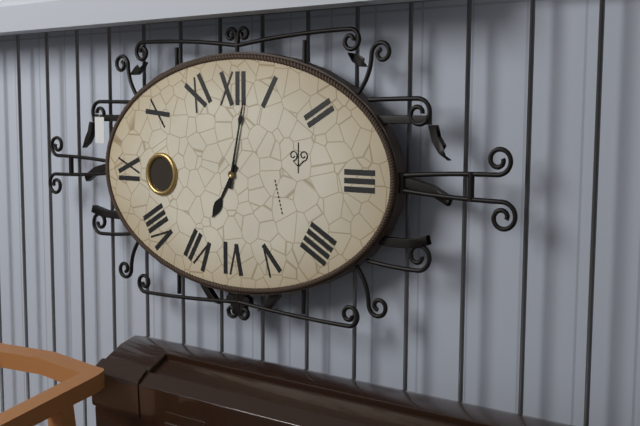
7:02
